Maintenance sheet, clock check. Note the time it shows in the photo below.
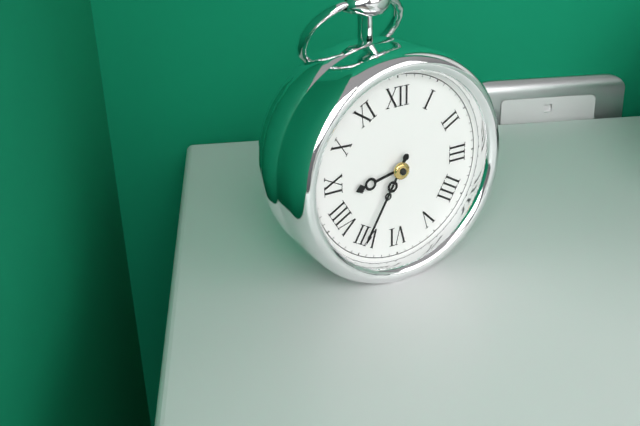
8:35
